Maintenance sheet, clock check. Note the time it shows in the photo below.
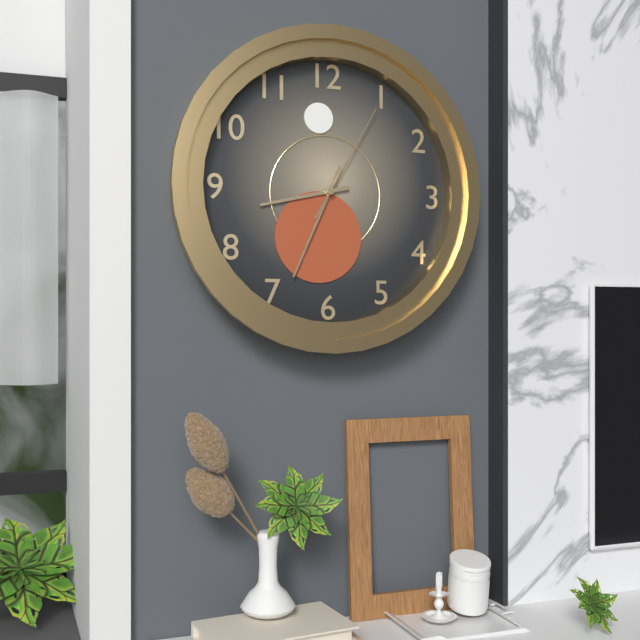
8:34:05
